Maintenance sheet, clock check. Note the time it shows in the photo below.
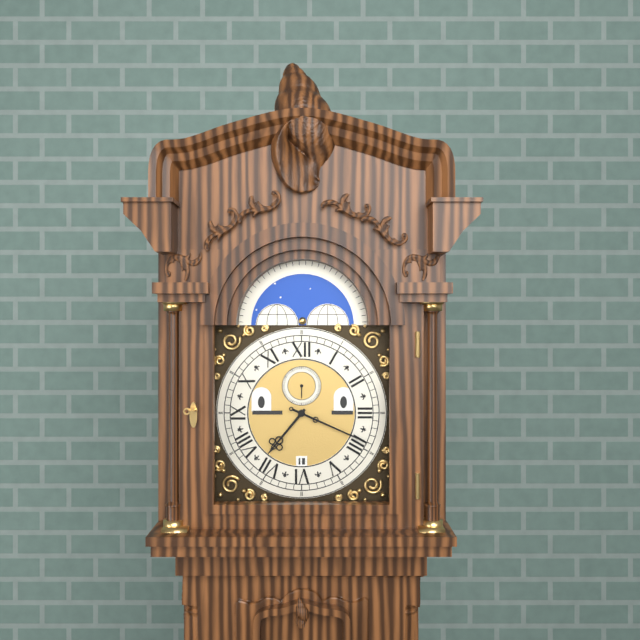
7:19
